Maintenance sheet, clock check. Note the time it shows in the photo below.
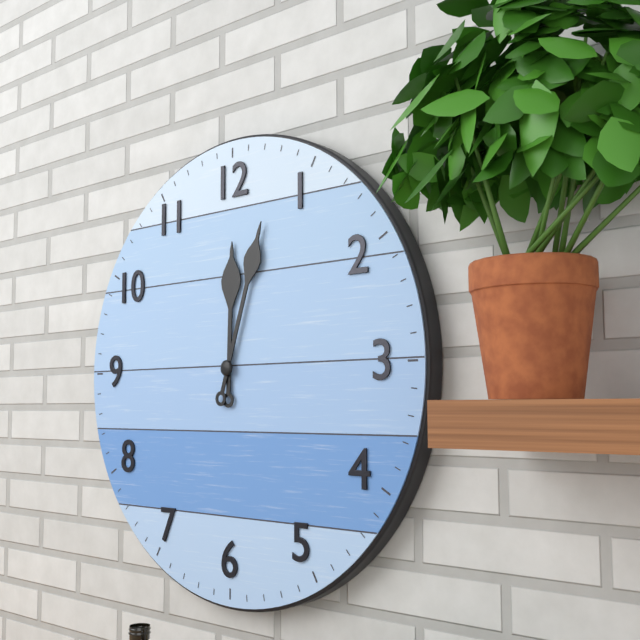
12:03
